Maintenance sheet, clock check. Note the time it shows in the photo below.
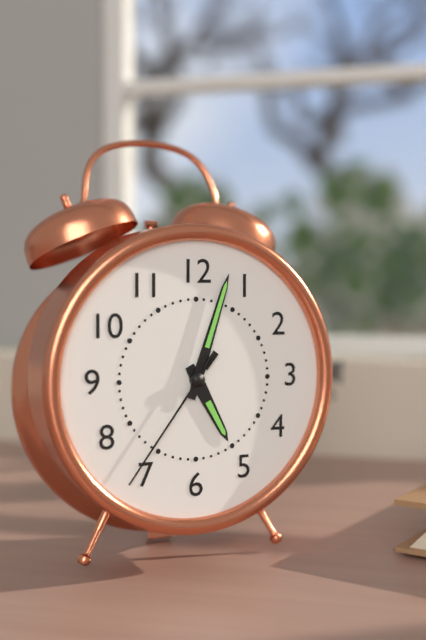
5:03:36
